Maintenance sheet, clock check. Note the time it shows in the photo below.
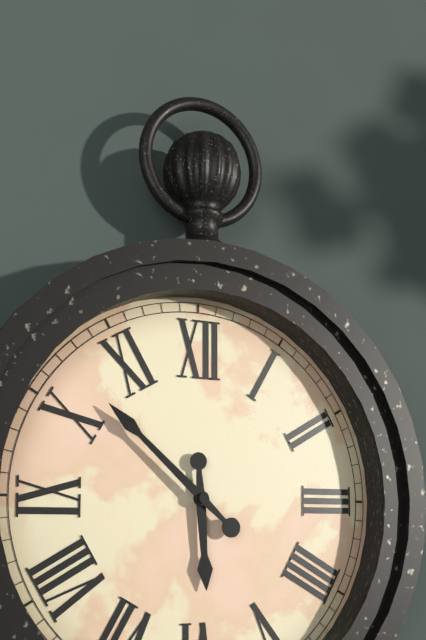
5:52
